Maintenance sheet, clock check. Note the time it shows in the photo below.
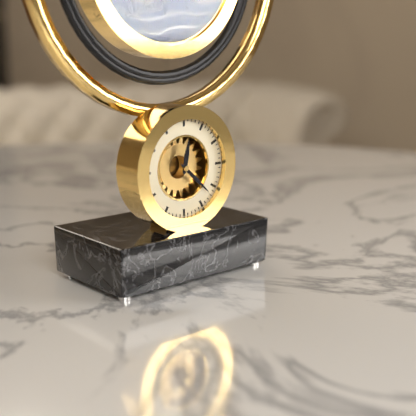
12:22
